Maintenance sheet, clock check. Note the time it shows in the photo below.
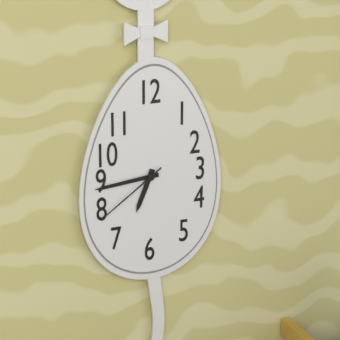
6:44:39
